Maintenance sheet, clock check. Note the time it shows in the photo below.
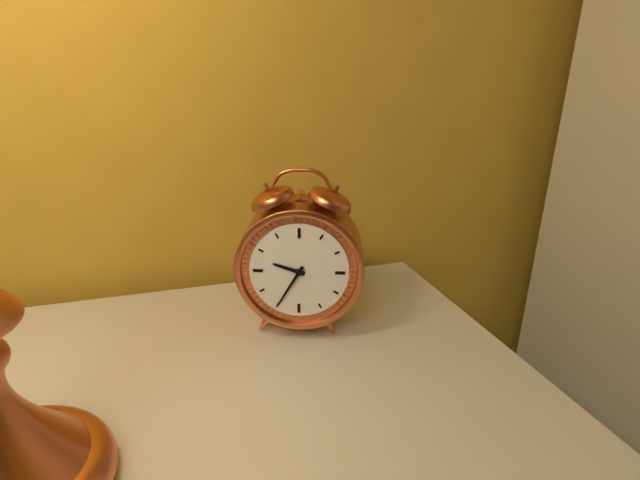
9:35
